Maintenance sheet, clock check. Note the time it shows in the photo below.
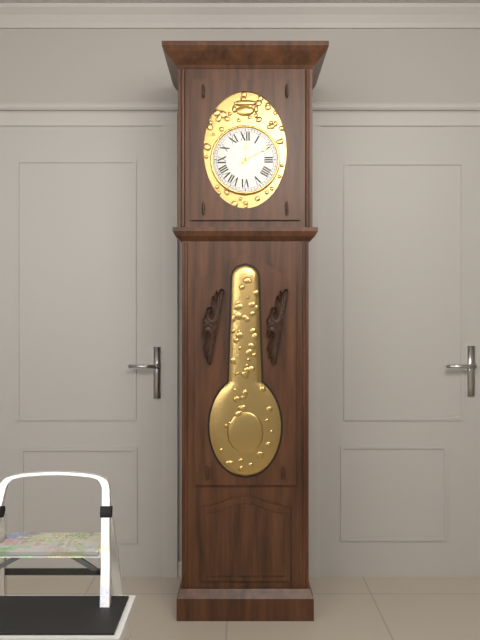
12:10
